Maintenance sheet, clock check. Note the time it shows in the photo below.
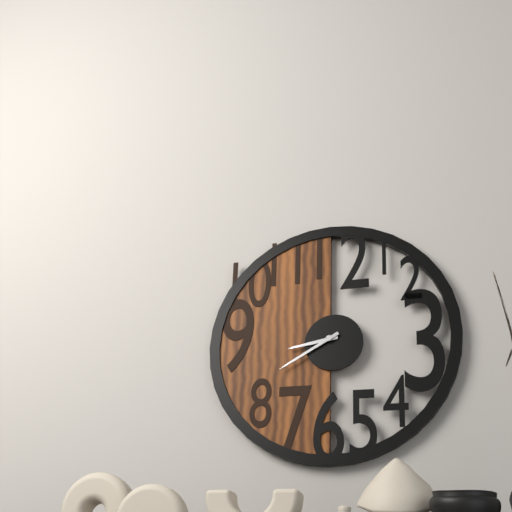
8:40
